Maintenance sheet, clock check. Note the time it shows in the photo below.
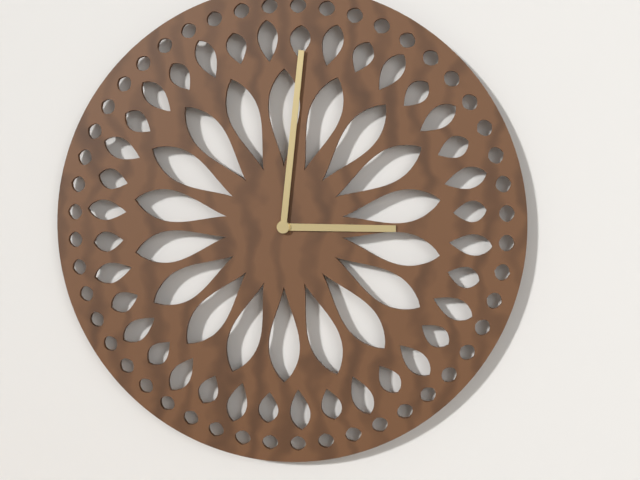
3:01
